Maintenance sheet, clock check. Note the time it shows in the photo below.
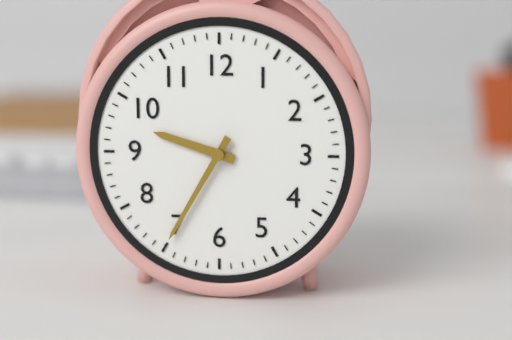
9:35
